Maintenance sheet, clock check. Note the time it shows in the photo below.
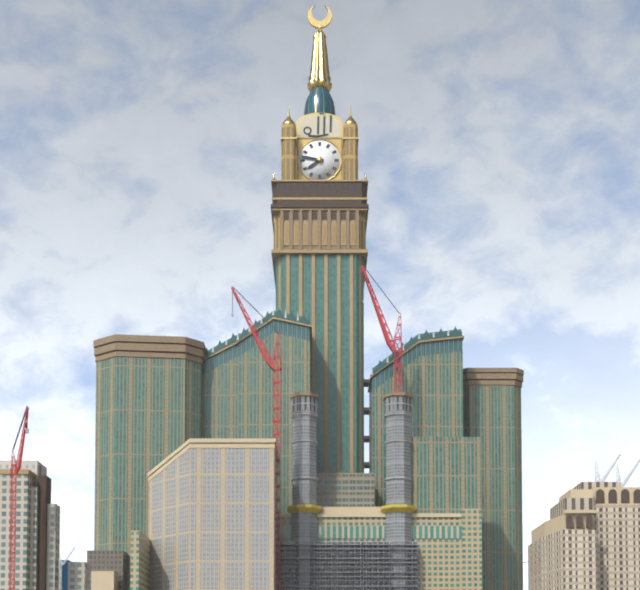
7:47
